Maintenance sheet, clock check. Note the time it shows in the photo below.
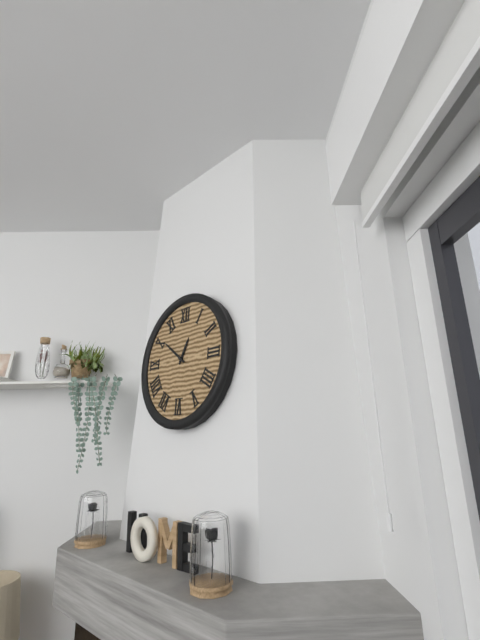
12:51
